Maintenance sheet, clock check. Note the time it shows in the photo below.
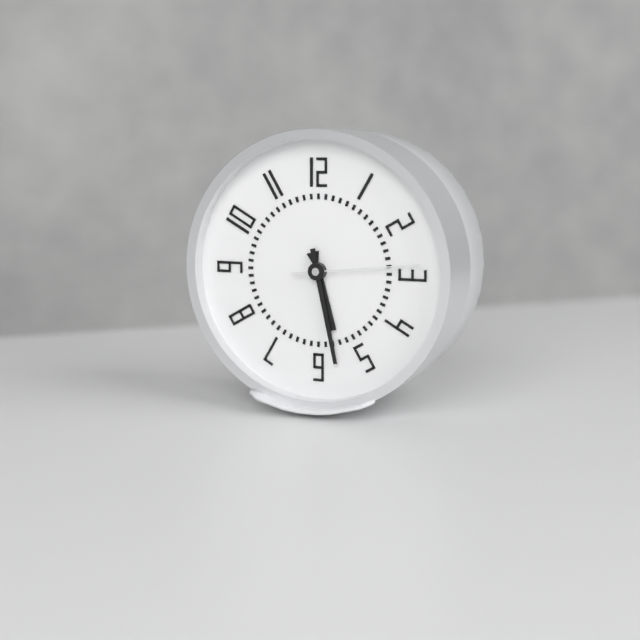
5:28:14
